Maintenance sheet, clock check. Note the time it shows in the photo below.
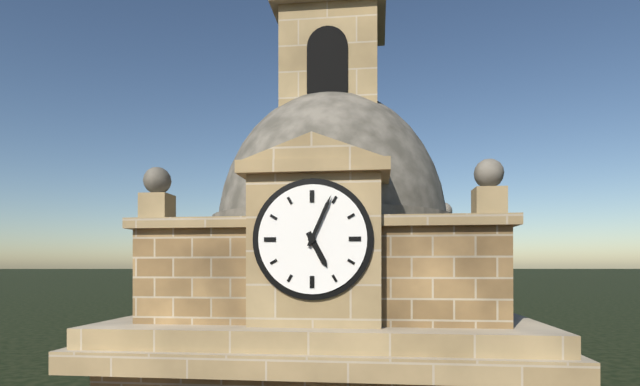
5:04
